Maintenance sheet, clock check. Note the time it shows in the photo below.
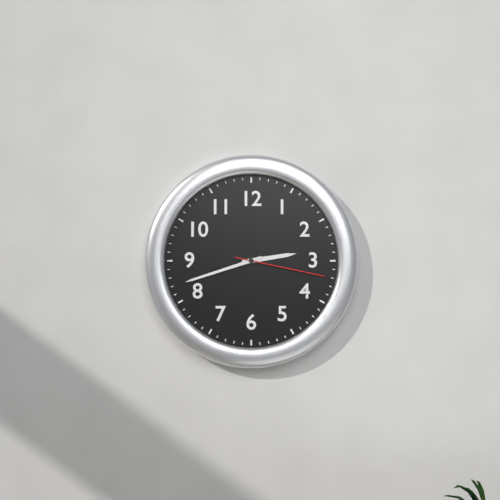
2:42:17
